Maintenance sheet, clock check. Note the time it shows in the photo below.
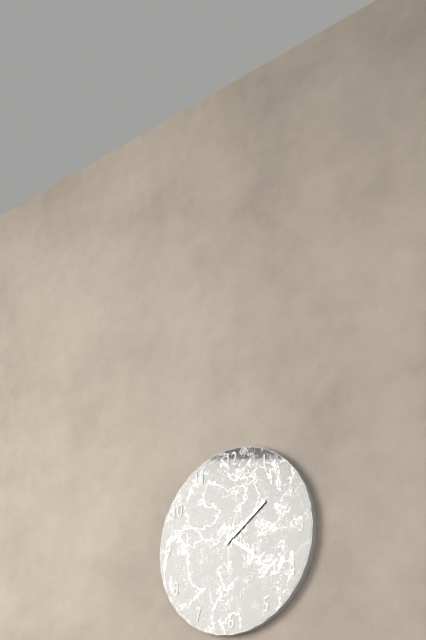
4:09
